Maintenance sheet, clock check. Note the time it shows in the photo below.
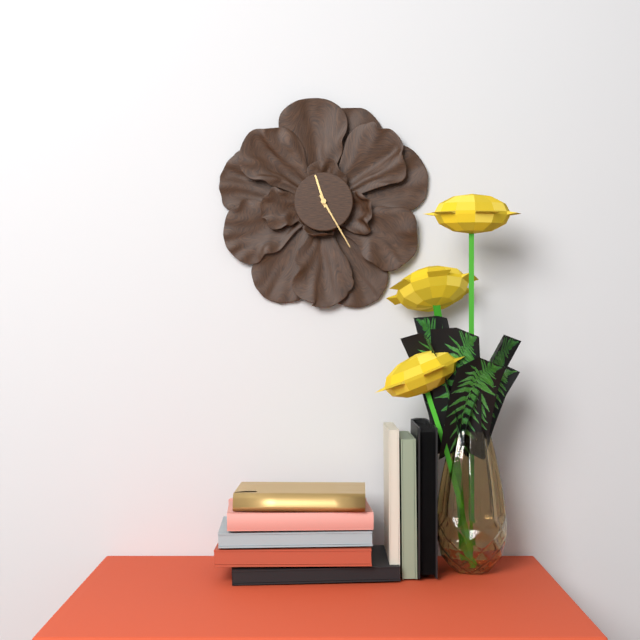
11:25
